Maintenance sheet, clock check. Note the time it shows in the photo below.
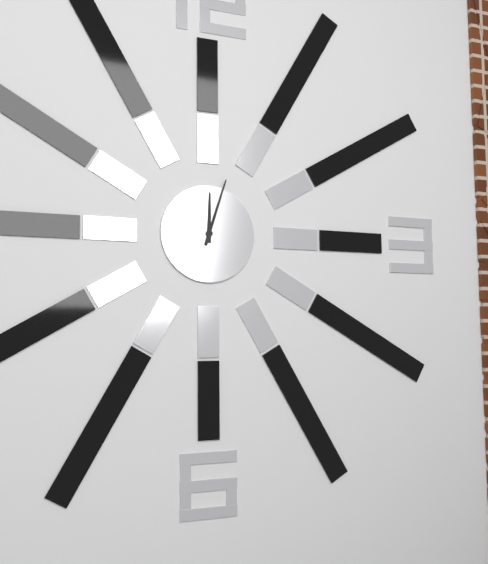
12:03
